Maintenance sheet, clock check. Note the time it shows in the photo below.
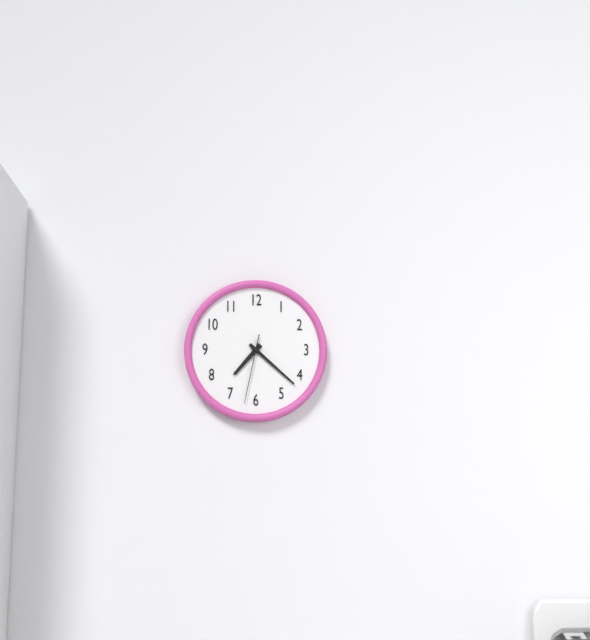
7:22:32
